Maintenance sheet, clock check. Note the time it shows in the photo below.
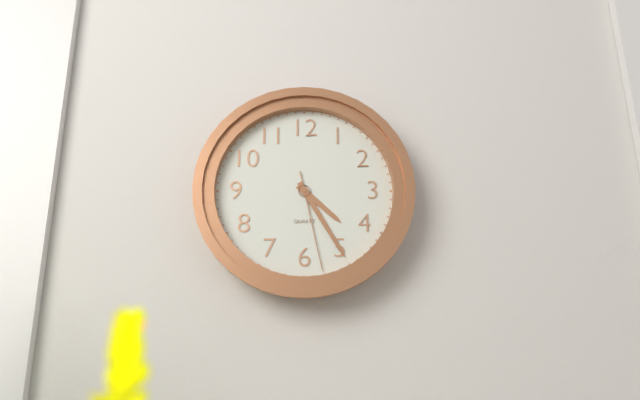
4:25:28
